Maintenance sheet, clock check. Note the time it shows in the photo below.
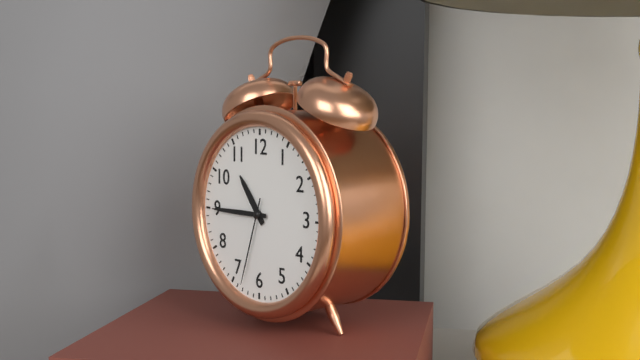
10:45:33
